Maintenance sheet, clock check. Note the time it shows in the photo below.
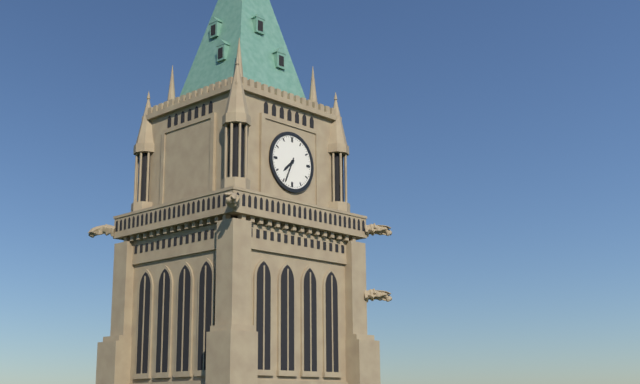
7:34
